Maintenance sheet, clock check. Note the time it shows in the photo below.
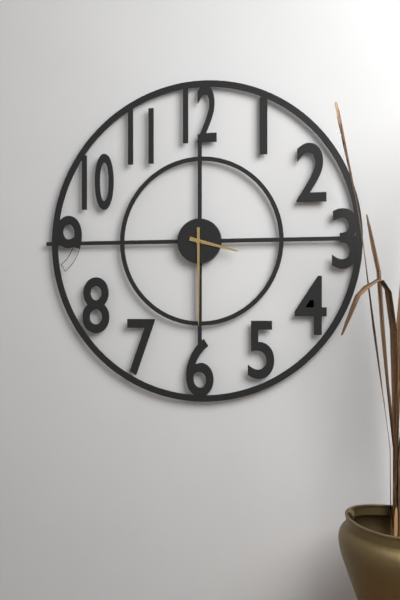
3:30
